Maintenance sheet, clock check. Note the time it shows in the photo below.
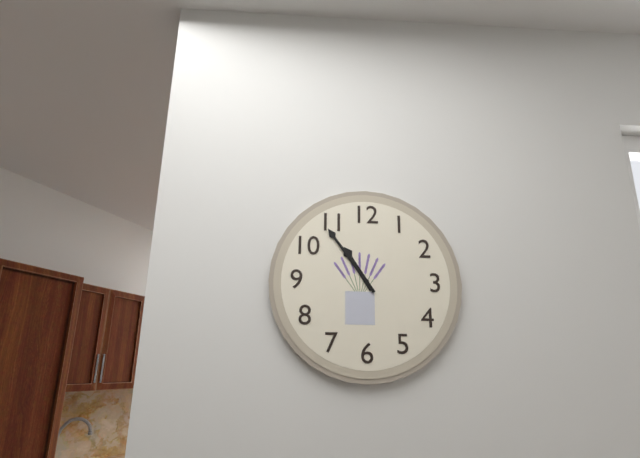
10:54
